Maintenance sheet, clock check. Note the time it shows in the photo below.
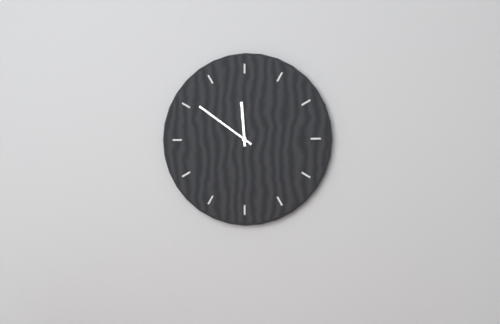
11:51
